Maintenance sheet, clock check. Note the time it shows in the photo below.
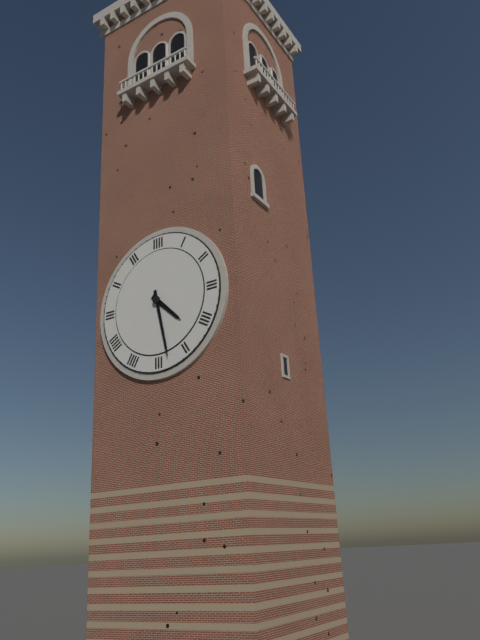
4:28
